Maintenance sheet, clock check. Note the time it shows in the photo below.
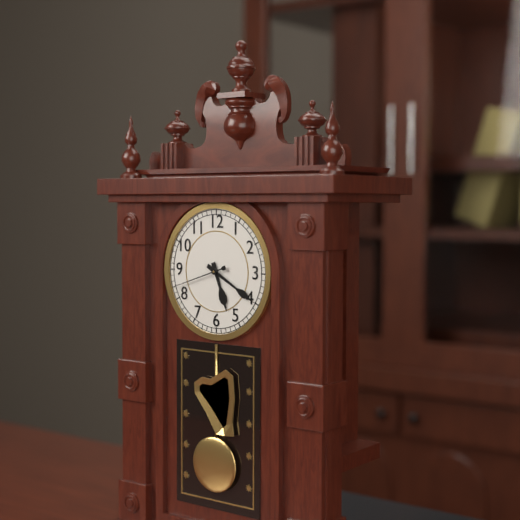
5:20:42
